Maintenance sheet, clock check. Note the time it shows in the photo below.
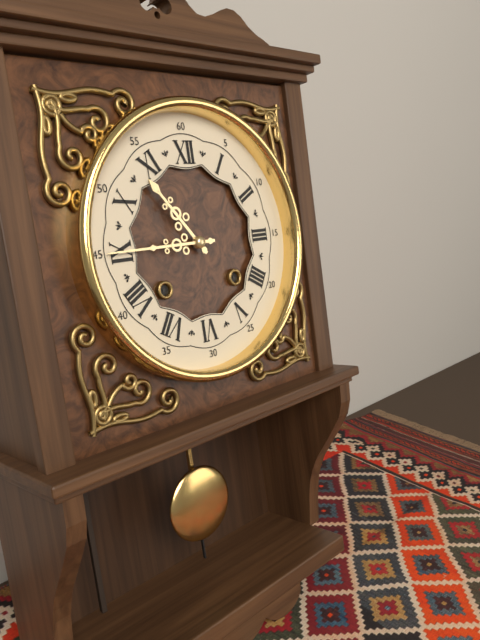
10:45
